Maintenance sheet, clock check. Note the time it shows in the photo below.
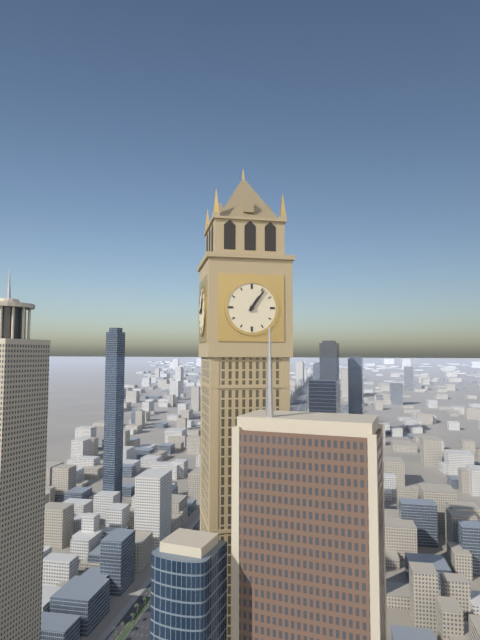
1:06
